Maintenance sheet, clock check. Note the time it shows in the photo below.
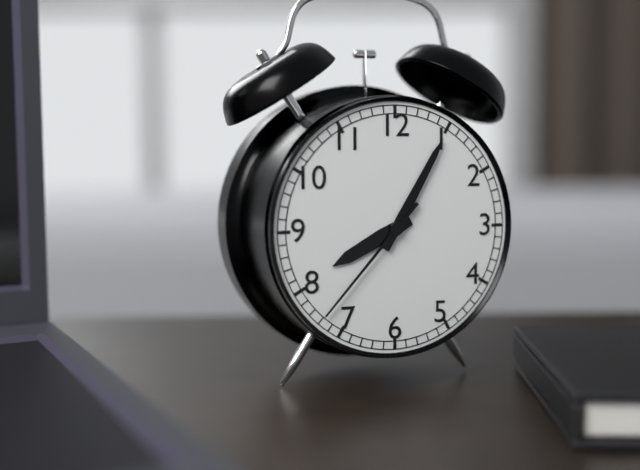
8:05:37
